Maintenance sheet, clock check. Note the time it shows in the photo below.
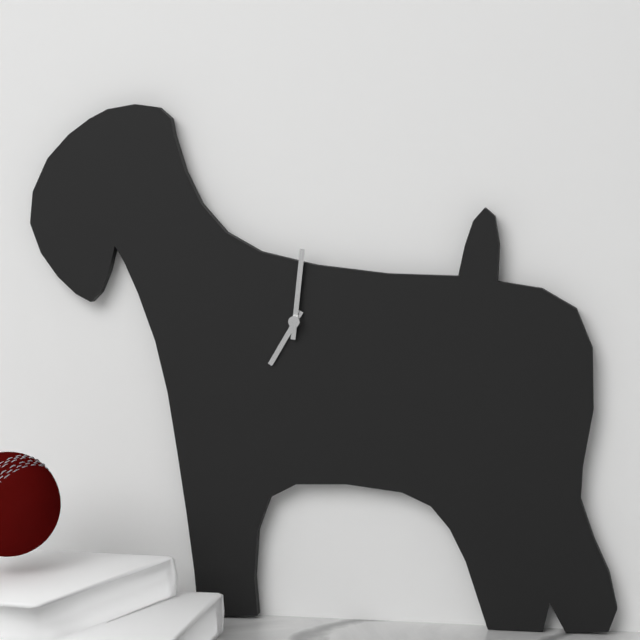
7:01
